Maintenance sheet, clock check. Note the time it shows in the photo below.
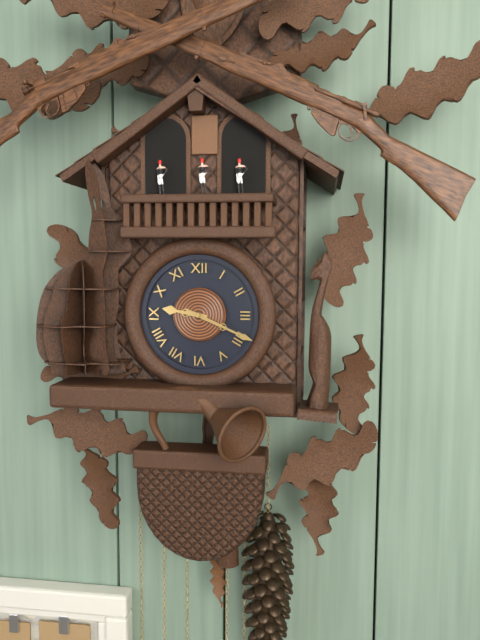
9:19
